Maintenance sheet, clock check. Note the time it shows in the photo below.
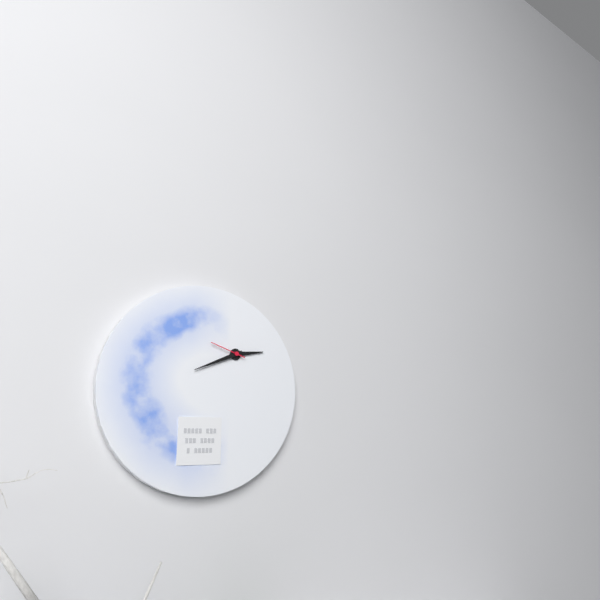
2:41
